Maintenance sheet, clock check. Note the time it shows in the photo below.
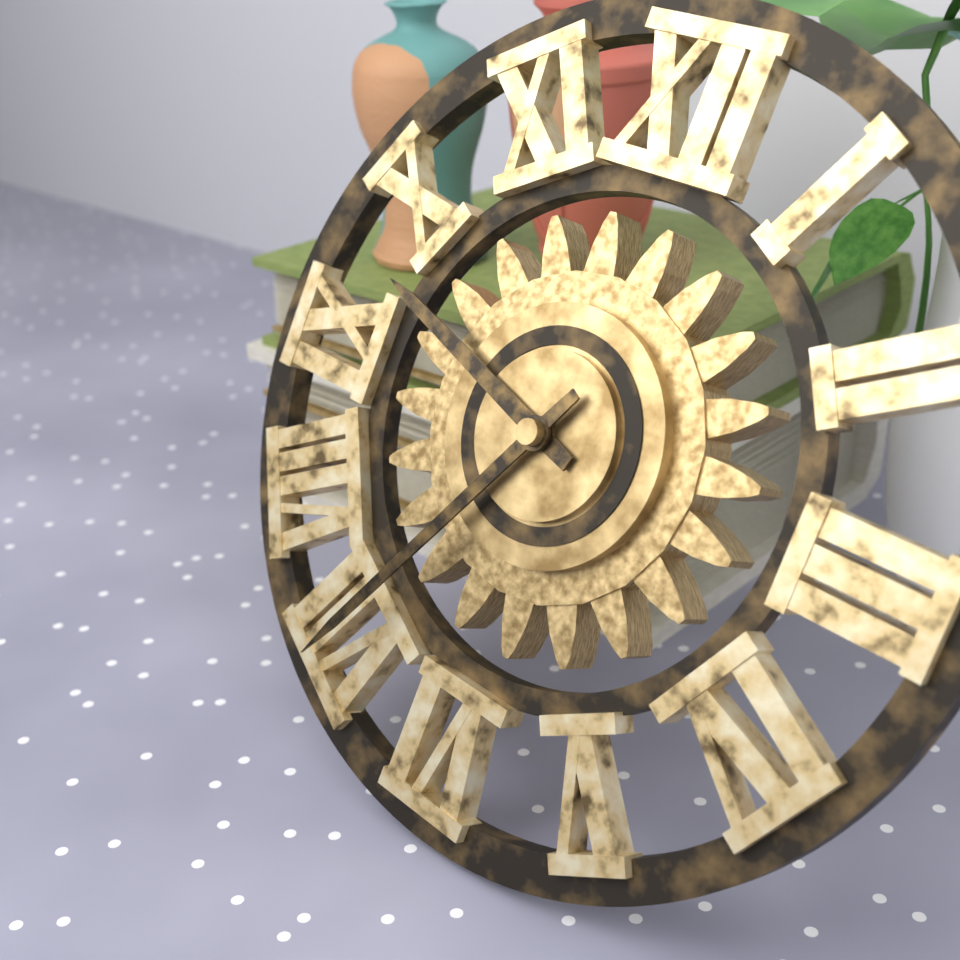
9:35
